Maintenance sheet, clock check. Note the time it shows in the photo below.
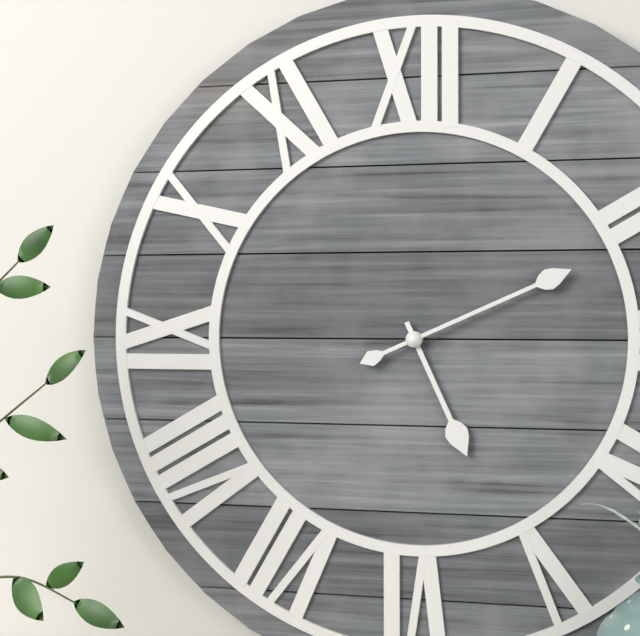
5:11
